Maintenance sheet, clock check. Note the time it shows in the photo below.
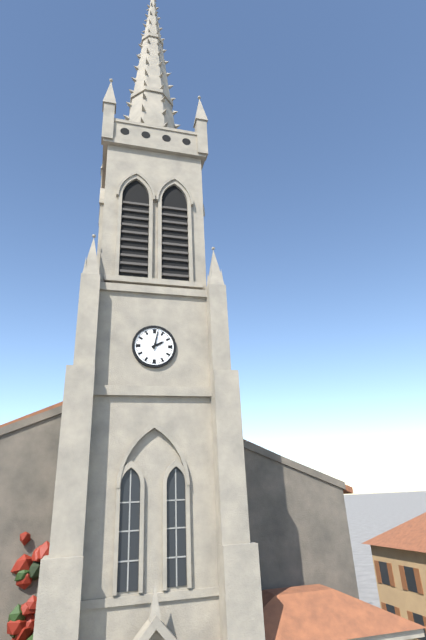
2:02
